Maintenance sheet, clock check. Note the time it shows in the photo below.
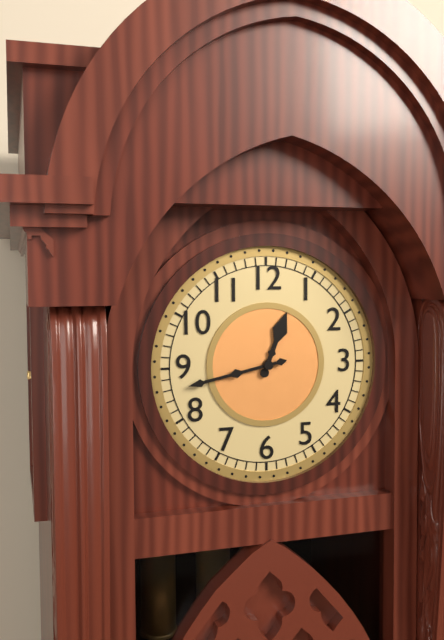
12:43
